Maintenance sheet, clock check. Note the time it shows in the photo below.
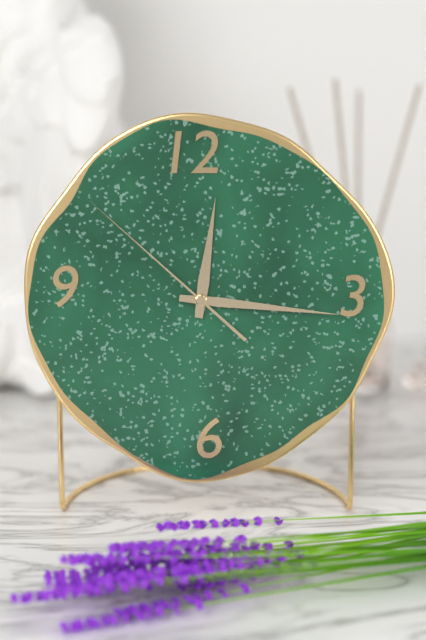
12:16:52
